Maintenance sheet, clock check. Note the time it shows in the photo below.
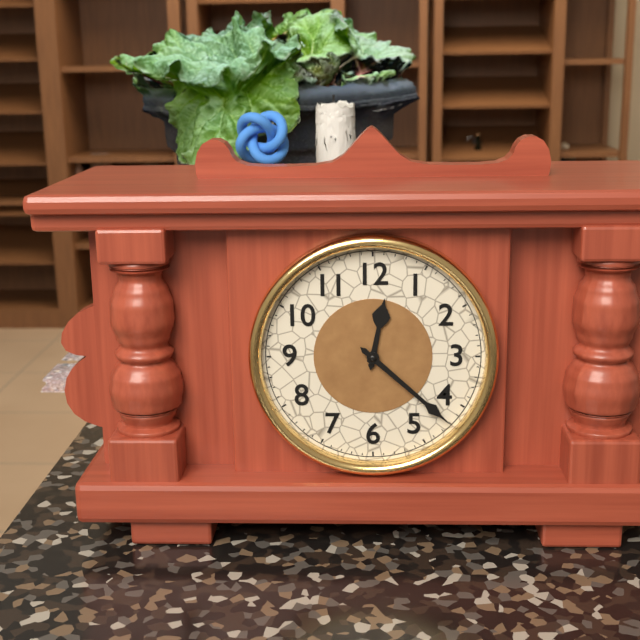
12:22
